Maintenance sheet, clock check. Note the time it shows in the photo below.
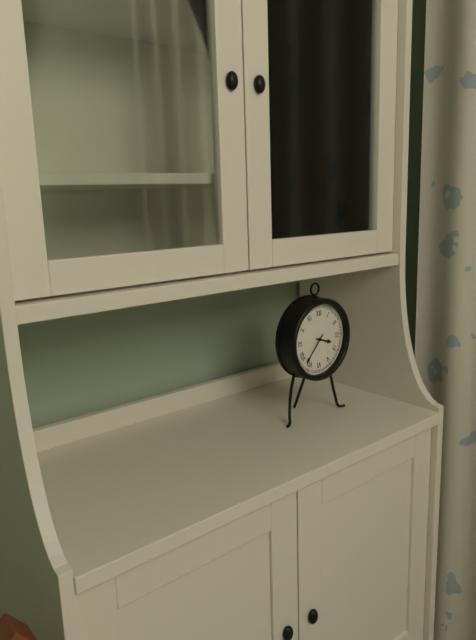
3:37
